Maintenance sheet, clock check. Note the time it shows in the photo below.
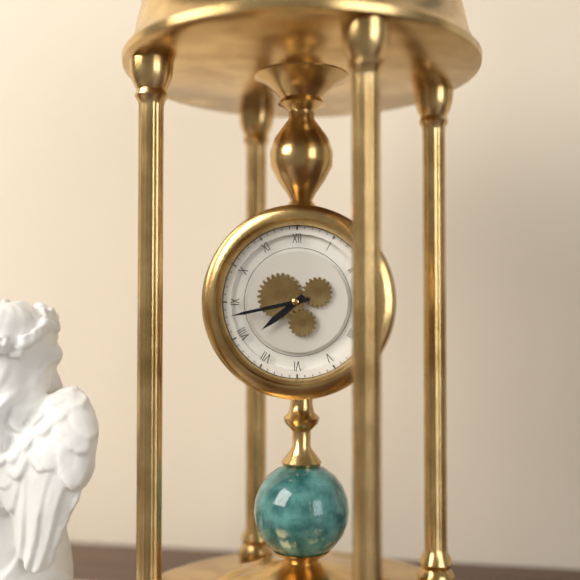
7:43
